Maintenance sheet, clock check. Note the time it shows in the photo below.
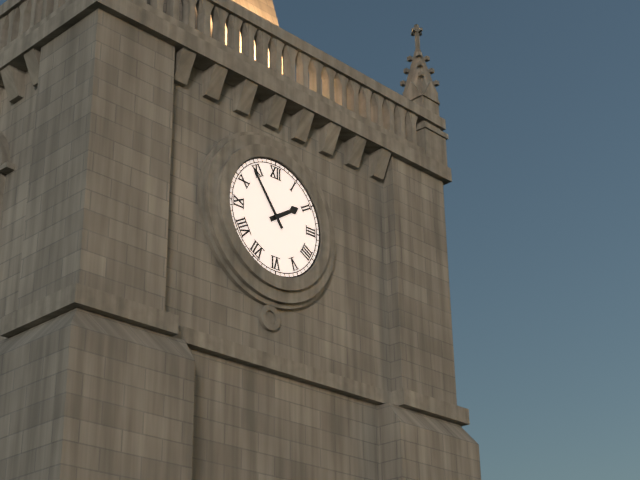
1:54
